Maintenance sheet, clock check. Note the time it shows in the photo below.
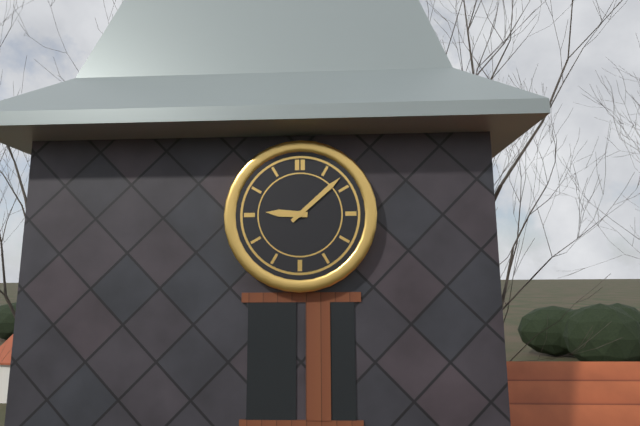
9:08
